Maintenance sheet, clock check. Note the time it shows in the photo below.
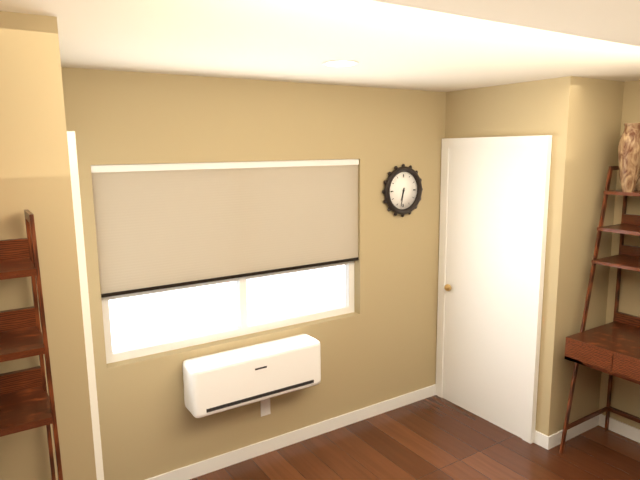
6:32
